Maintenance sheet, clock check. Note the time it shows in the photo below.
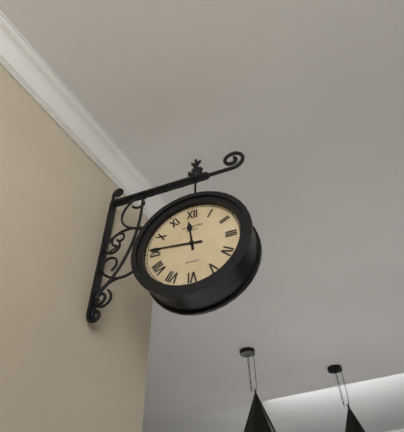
11:46
